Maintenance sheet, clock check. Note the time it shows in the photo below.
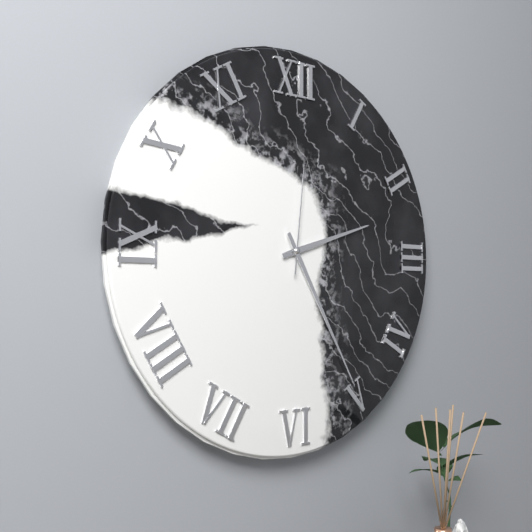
2:25:01
